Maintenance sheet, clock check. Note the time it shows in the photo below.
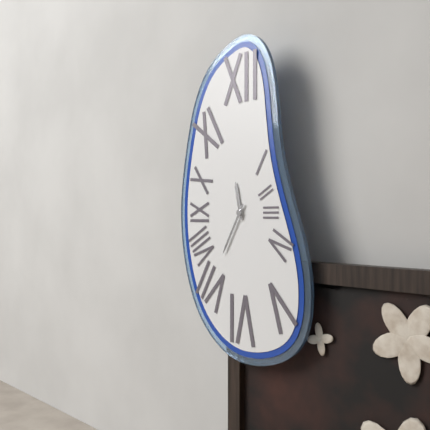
11:35
